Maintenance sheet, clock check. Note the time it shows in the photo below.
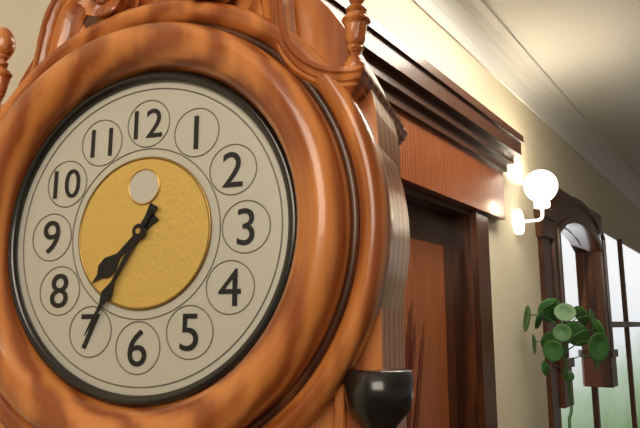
7:35
